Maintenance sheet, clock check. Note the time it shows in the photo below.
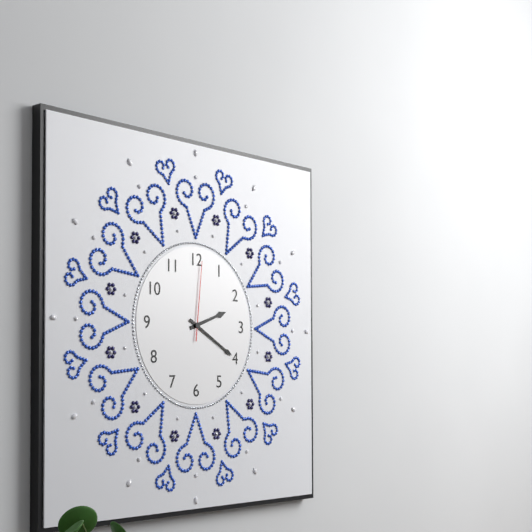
2:20:01
